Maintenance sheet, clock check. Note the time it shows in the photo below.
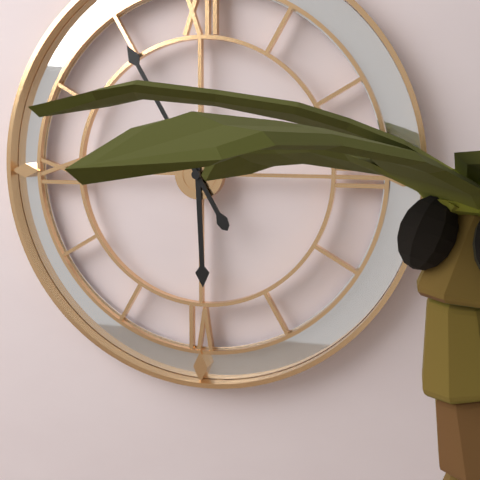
5:55
